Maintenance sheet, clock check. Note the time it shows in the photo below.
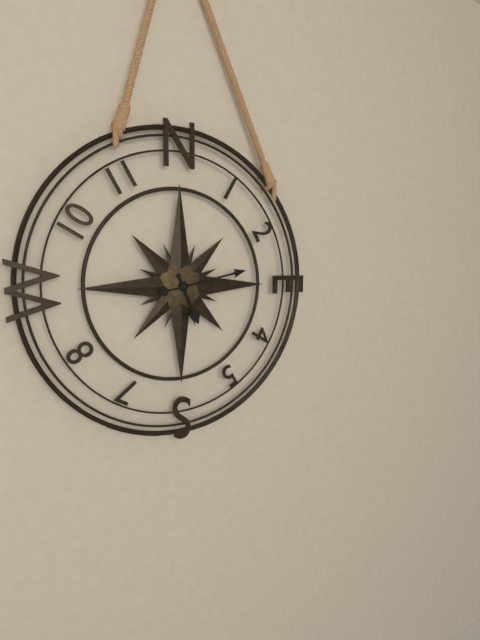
5:13
